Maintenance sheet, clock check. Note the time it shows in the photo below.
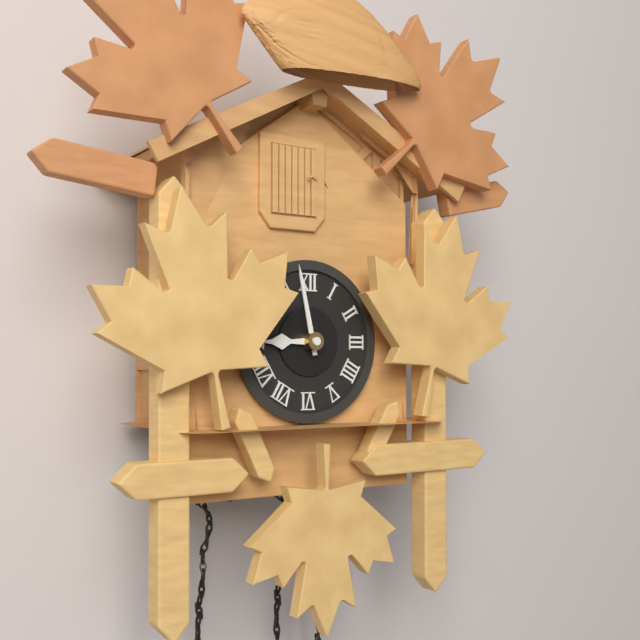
8:58
